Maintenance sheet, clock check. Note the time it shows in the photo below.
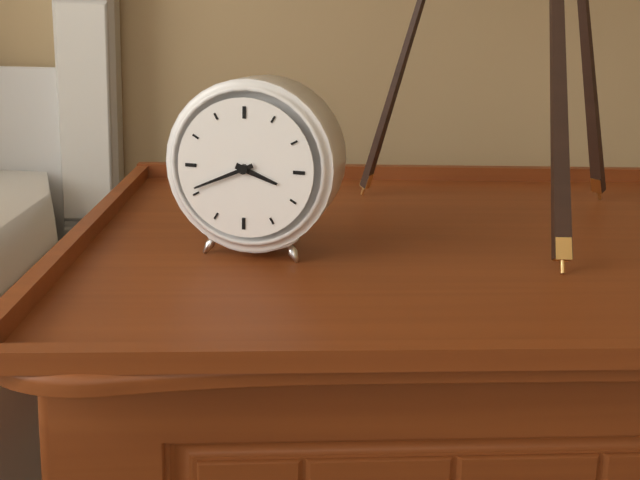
3:41
